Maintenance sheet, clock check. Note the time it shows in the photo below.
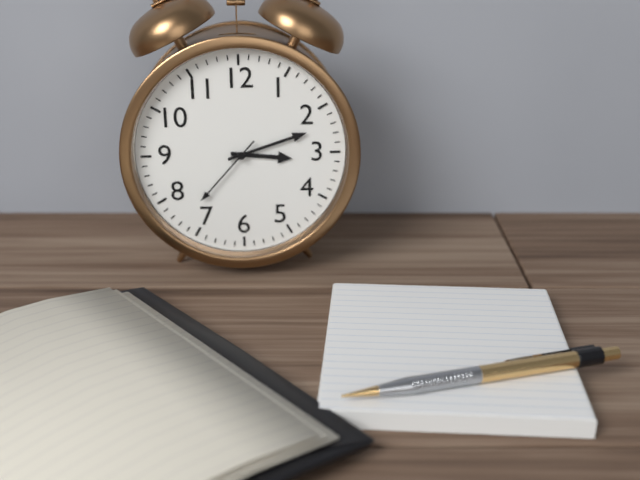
3:12:37
